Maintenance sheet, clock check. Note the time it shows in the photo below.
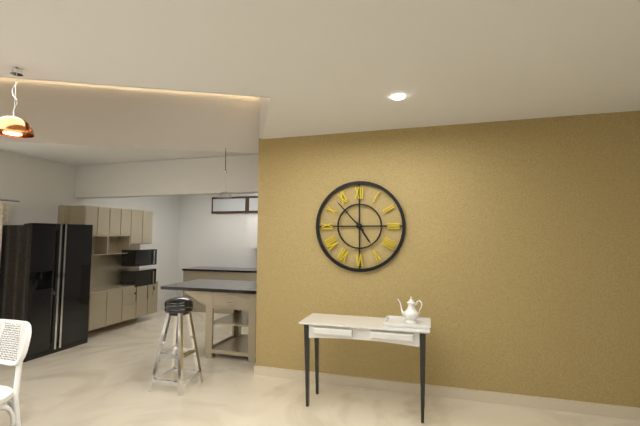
4:53
